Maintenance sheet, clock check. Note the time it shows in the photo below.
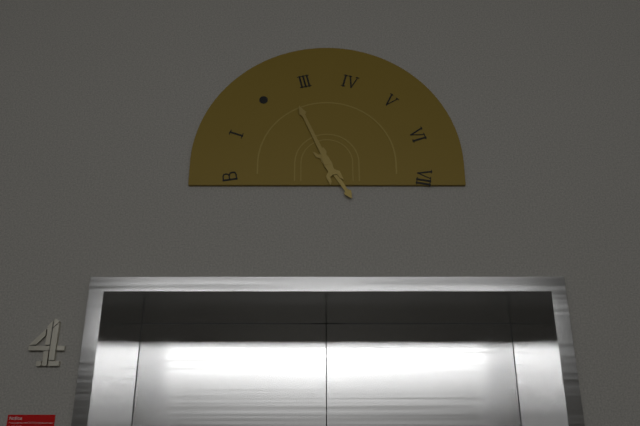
4:56
